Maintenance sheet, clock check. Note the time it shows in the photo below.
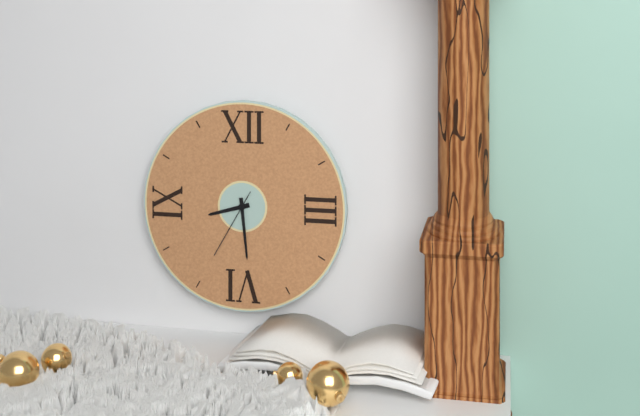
8:29:35
